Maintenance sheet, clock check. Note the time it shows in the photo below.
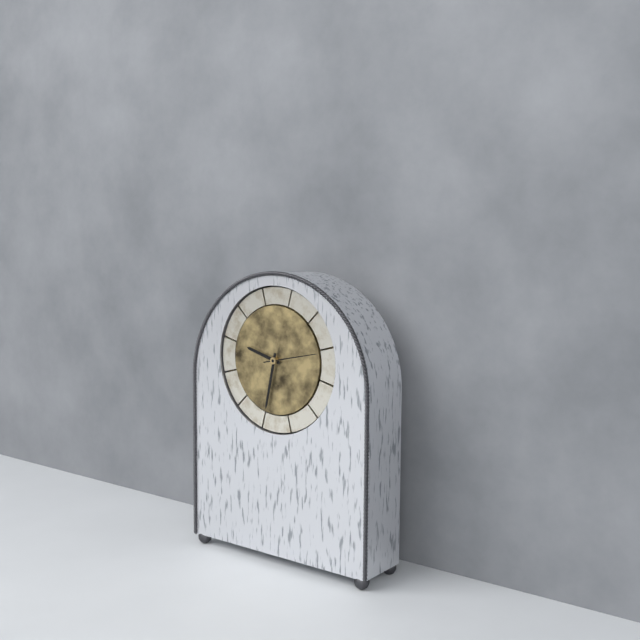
9:32:13
